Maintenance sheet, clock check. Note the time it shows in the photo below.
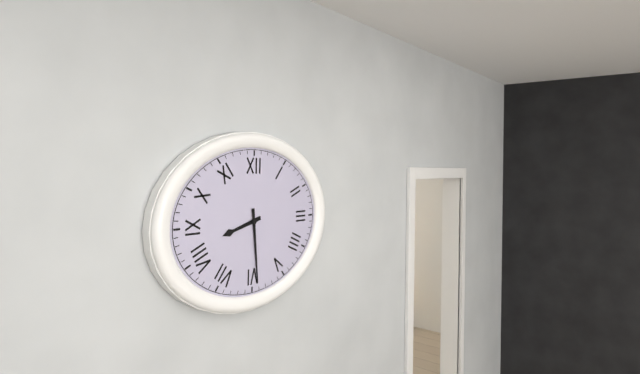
8:29
